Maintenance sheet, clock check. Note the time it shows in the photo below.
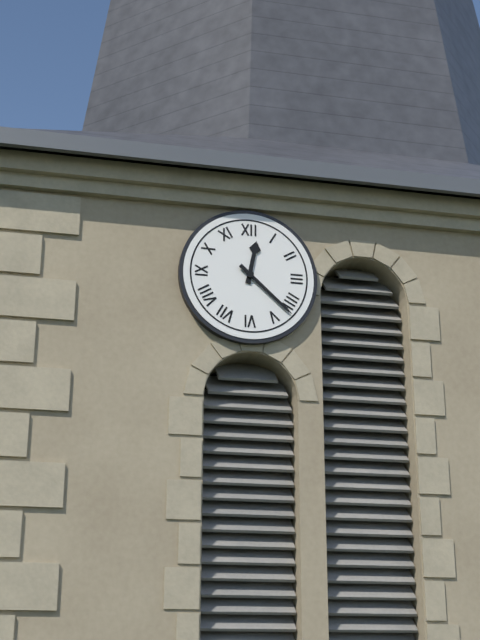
12:22
